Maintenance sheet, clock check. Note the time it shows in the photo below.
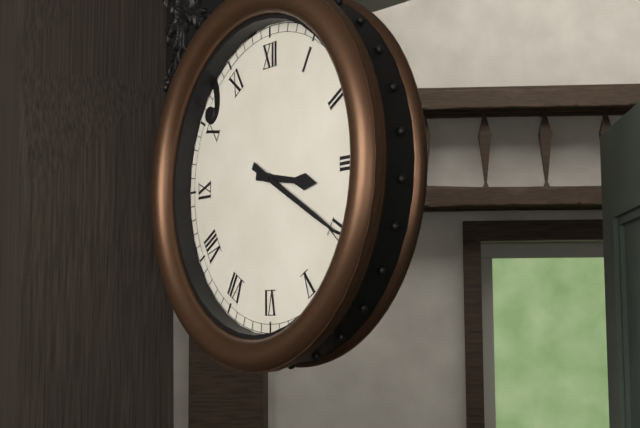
3:20
